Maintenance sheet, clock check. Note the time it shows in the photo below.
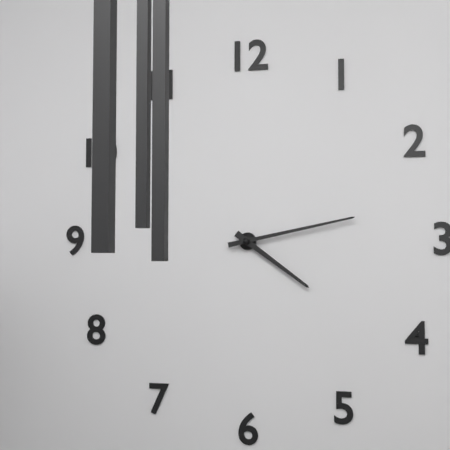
4:13
